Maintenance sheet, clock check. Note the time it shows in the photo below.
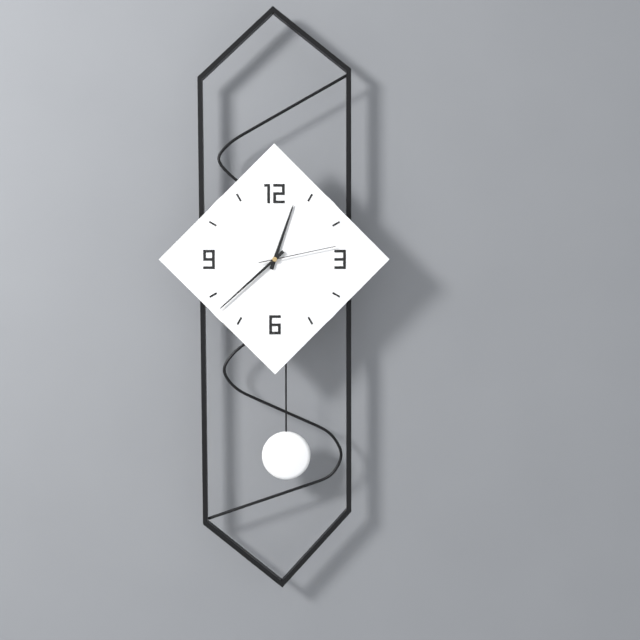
12:38:13
